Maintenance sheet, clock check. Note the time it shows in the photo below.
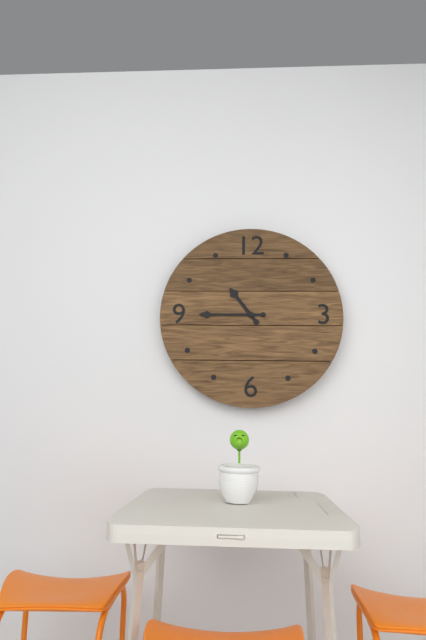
10:45
